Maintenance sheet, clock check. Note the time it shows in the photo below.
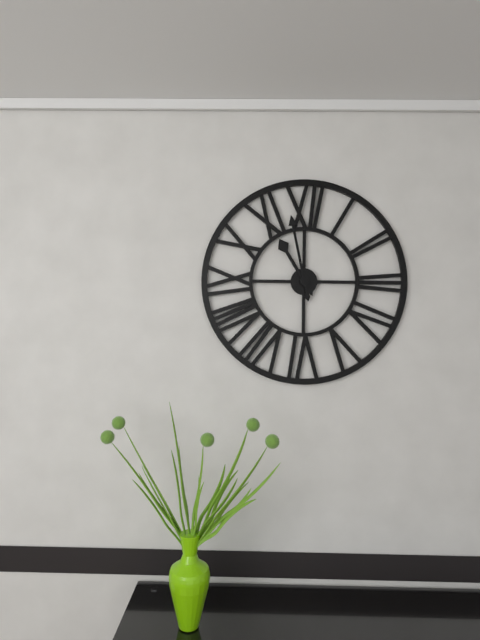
10:58
